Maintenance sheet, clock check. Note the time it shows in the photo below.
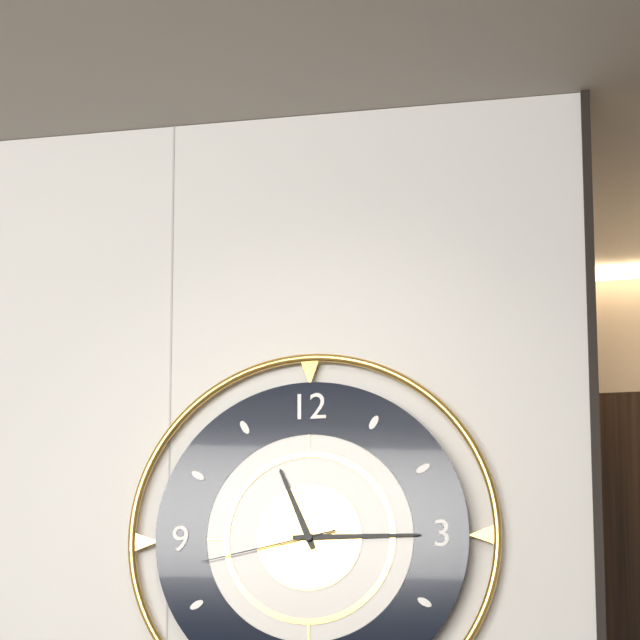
11:15:43
